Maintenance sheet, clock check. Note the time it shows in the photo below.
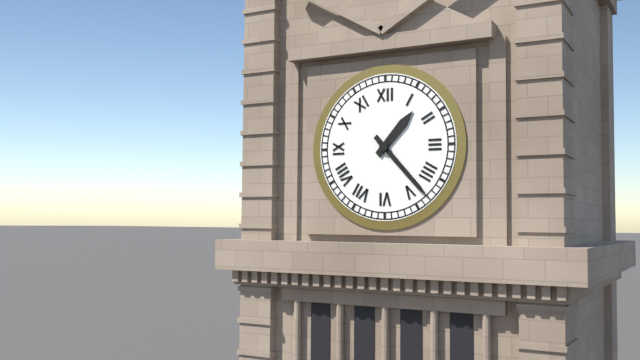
1:23
